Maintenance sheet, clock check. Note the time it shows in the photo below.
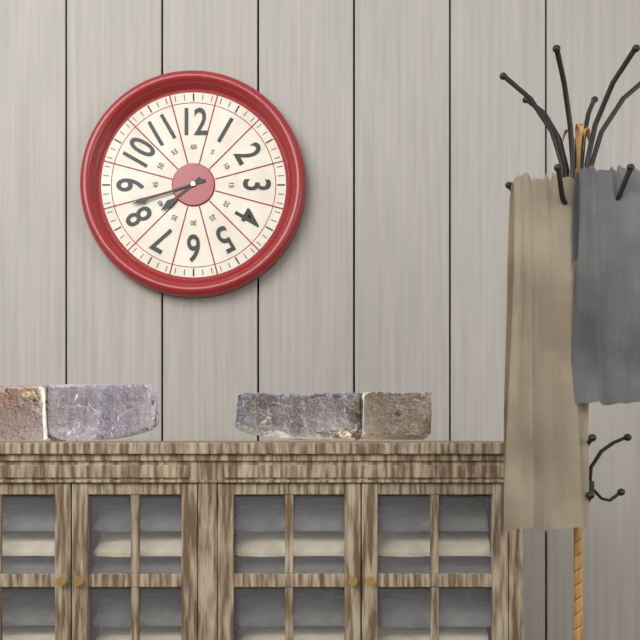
7:42
